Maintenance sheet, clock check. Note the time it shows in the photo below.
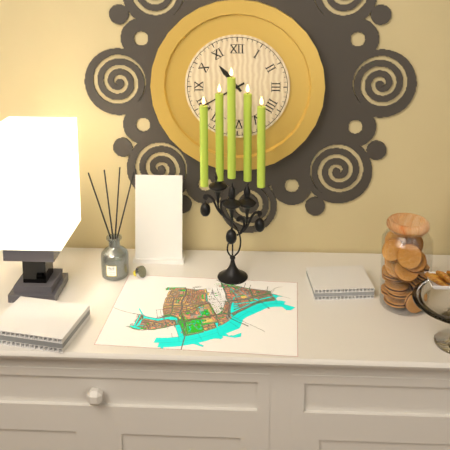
10:40
